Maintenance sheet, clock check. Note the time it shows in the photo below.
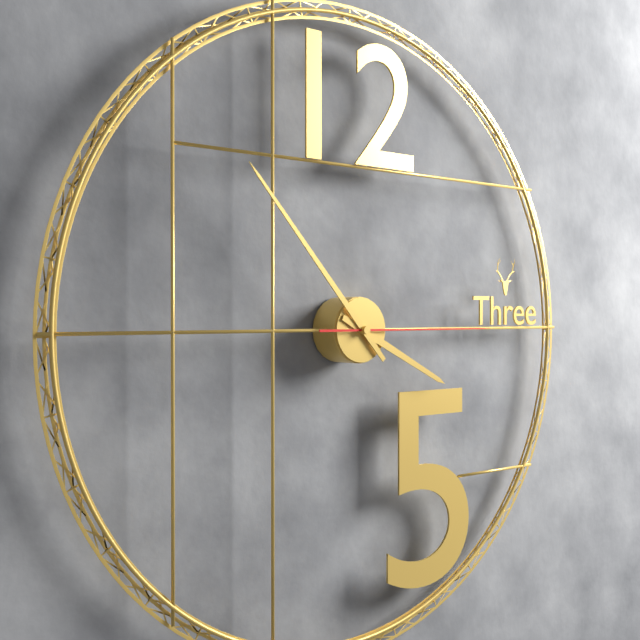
3:53:15
